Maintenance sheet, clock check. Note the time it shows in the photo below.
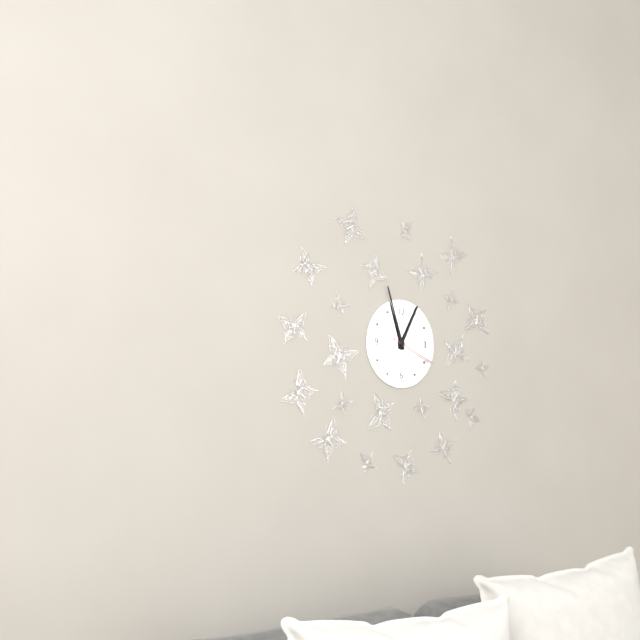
12:57
